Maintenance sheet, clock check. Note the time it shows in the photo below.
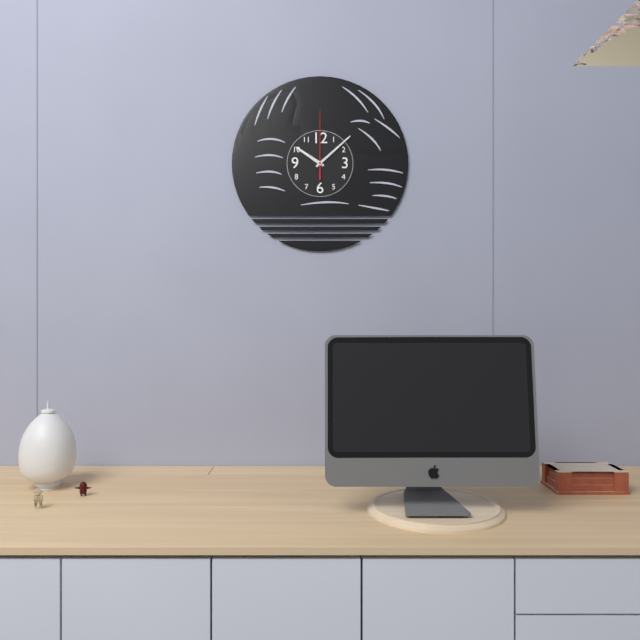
10:08:00
